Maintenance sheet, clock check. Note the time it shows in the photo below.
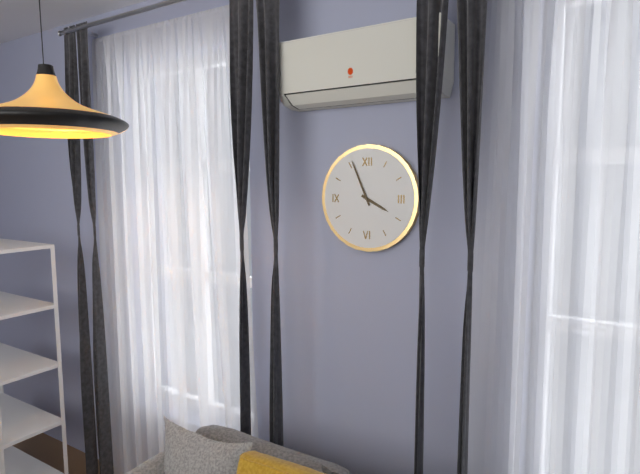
3:56
